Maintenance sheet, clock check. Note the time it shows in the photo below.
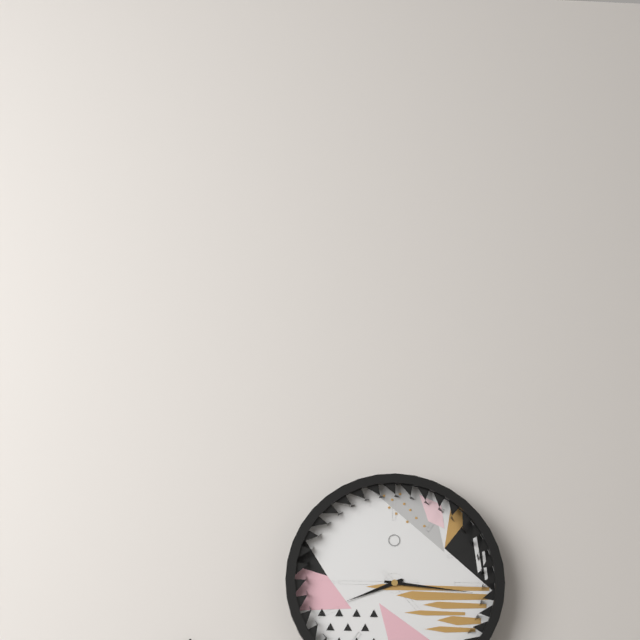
8:16
